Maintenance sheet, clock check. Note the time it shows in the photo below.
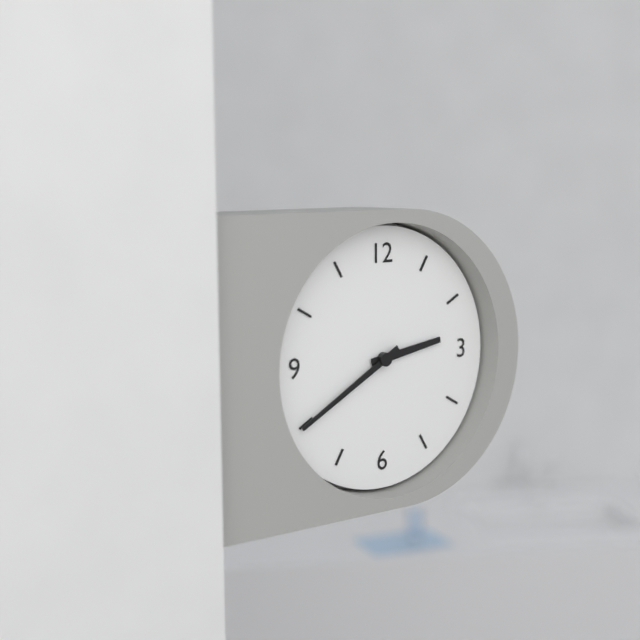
2:40
